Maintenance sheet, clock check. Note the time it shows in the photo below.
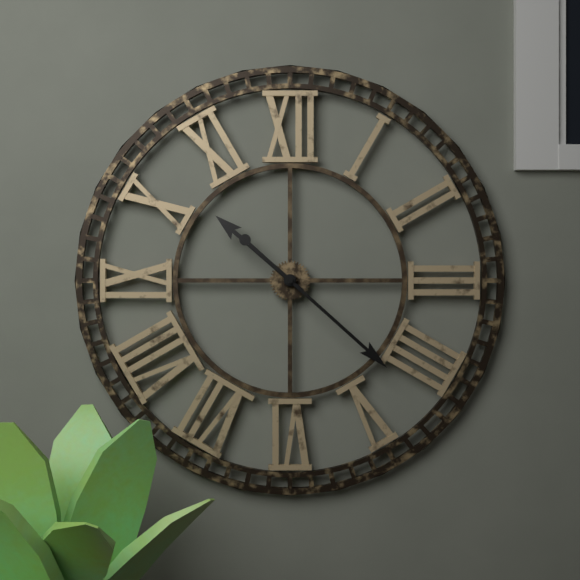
10:22
